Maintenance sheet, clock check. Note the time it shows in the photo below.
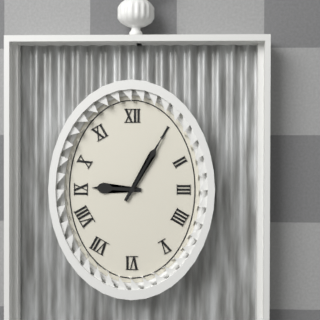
9:05
